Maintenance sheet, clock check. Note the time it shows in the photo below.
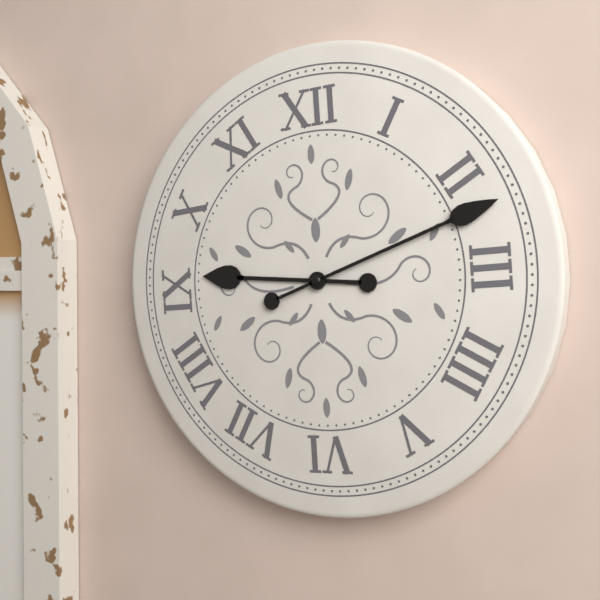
9:12
